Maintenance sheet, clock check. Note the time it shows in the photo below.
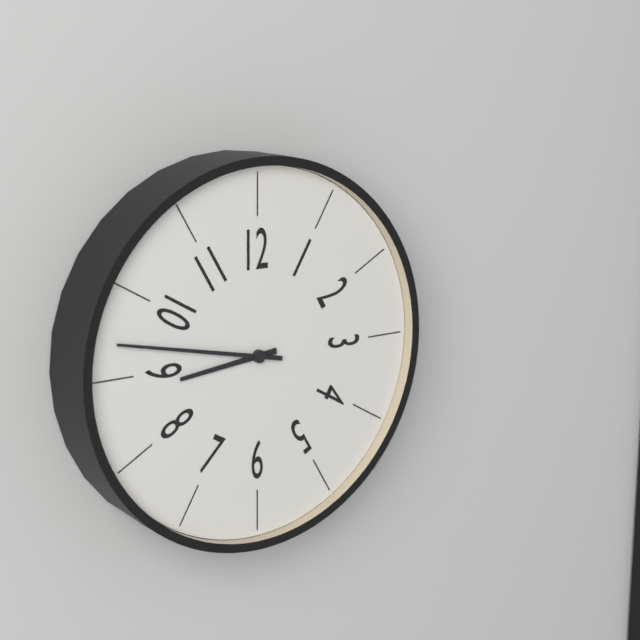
8:47
